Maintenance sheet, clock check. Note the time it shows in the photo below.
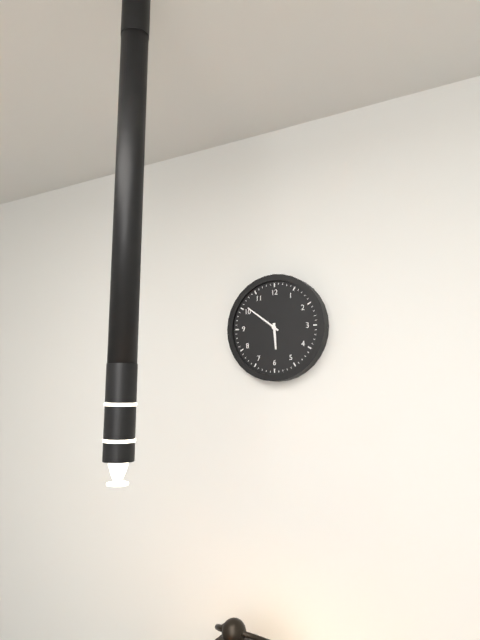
5:51
